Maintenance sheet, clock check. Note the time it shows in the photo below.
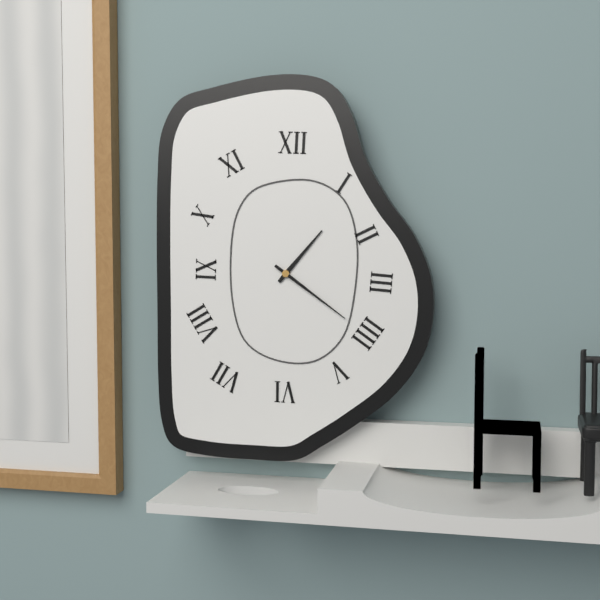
1:21
